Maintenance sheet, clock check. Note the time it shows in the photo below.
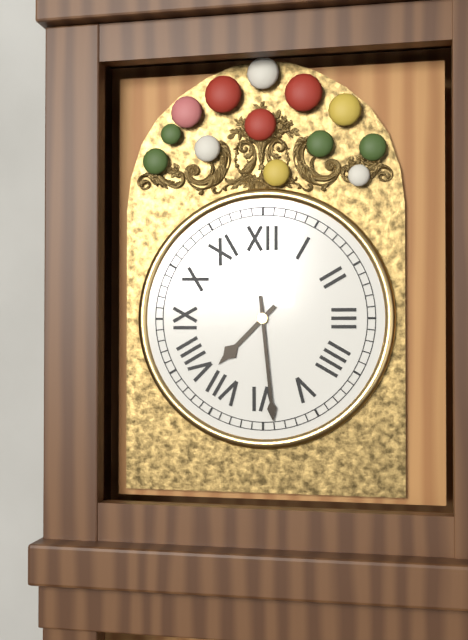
7:29
